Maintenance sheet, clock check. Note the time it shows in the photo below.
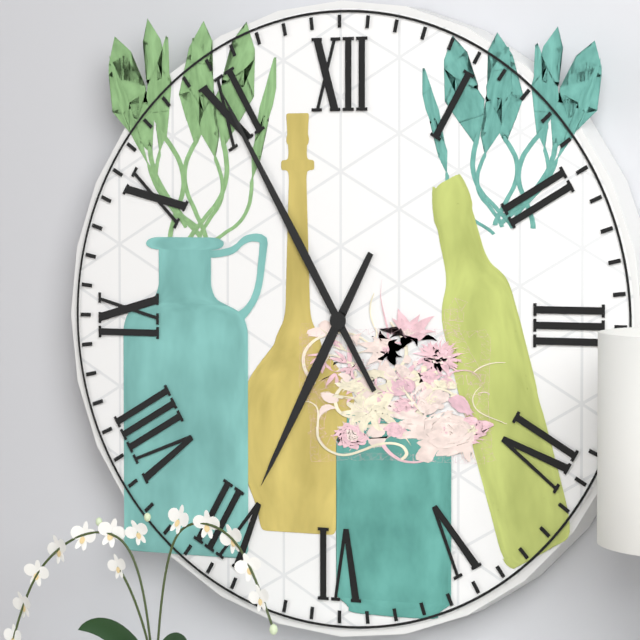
6:55
